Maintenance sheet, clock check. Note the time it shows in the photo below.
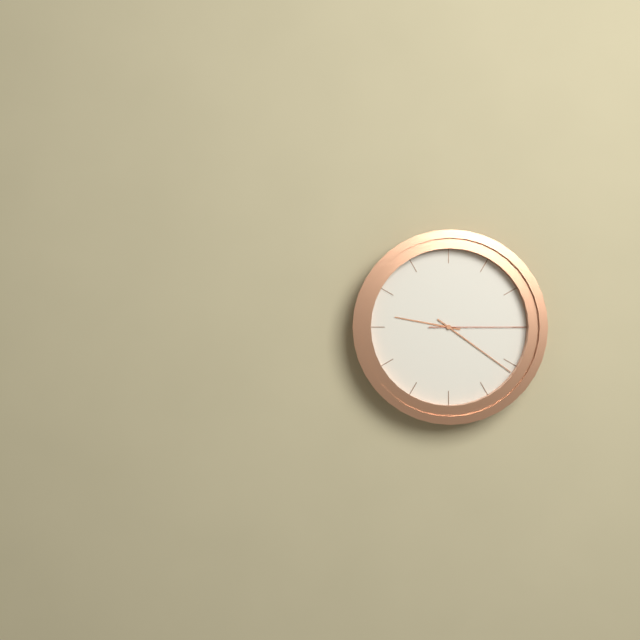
9:21:15
